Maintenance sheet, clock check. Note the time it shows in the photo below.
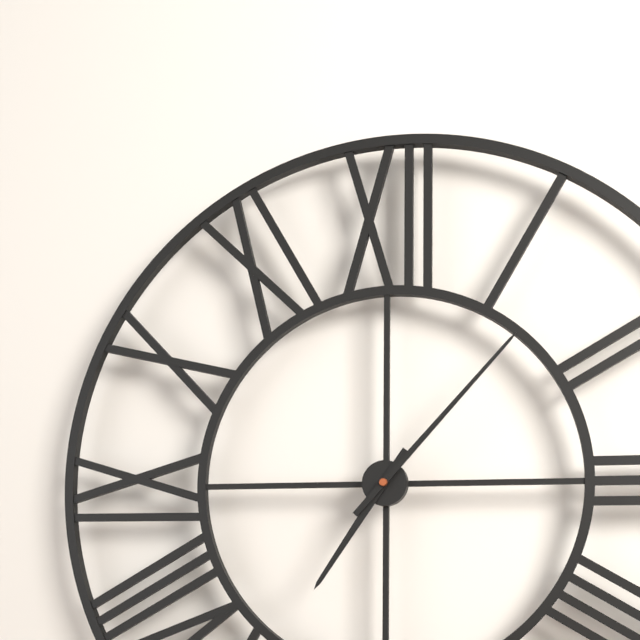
7:07
